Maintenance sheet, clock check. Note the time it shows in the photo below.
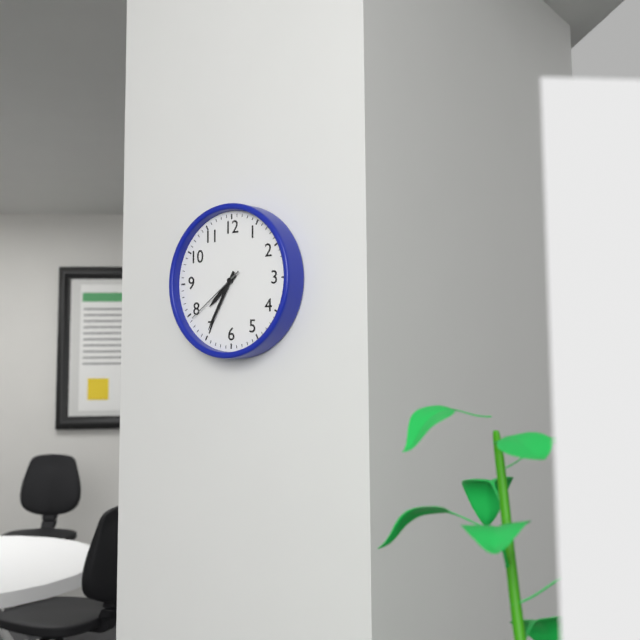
7:35:39
